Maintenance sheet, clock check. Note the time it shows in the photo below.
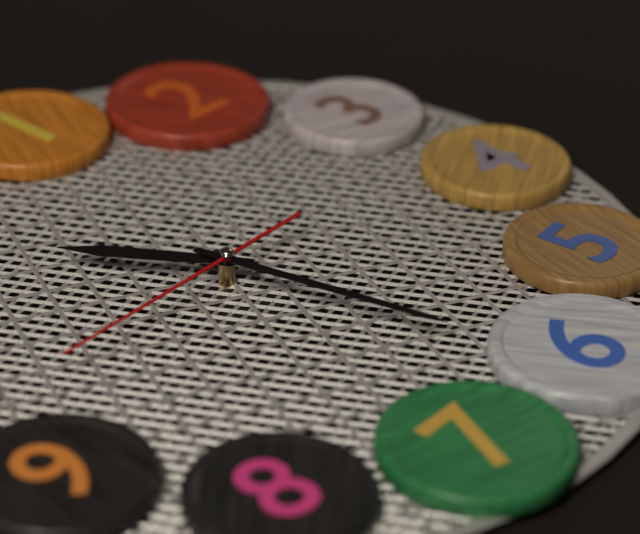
11:31:48
